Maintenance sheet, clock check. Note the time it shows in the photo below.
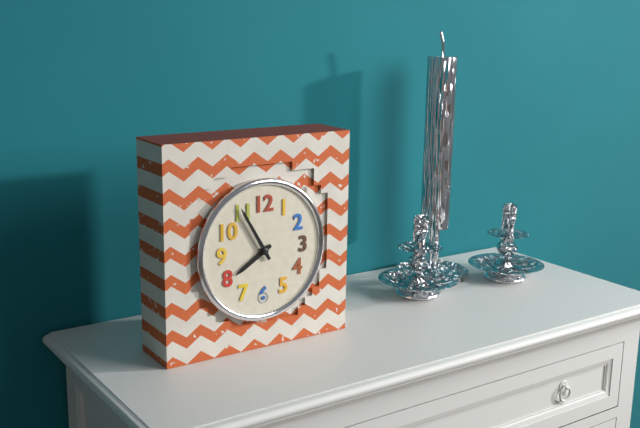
7:55
